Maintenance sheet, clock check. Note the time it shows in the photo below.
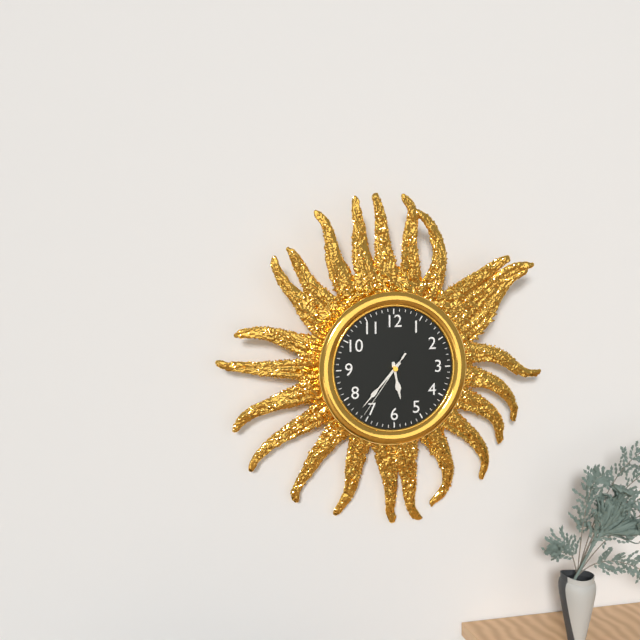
5:37:36
